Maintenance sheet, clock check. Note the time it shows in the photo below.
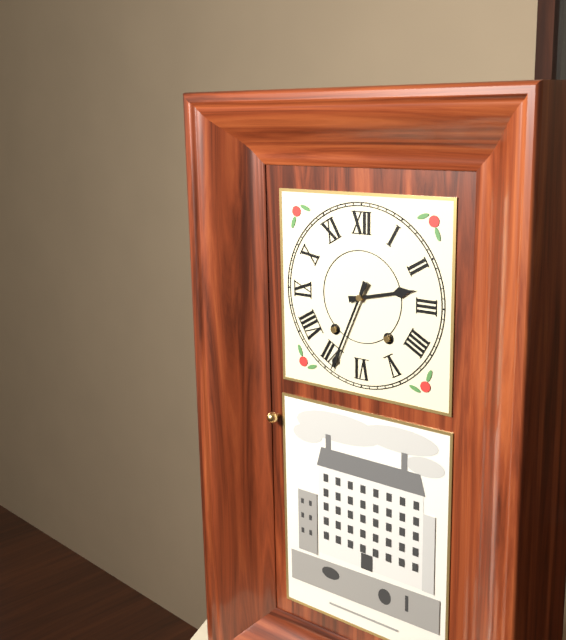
2:34
